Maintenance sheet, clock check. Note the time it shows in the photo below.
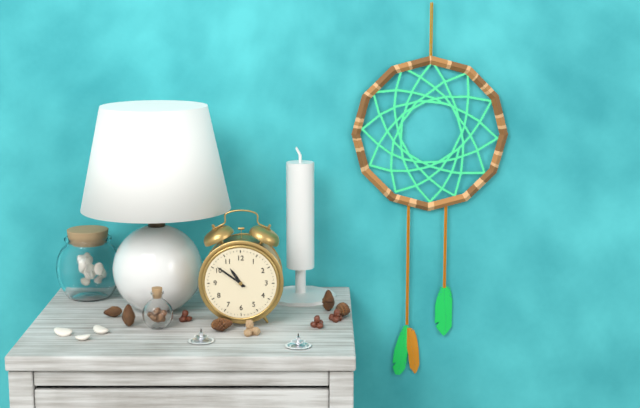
10:51
